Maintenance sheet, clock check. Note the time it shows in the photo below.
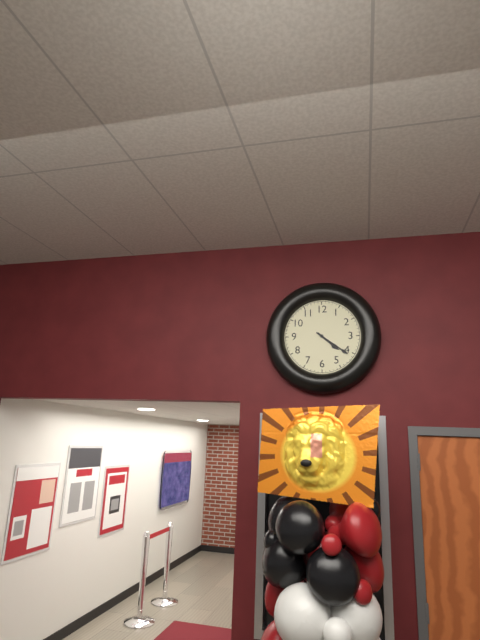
4:21
